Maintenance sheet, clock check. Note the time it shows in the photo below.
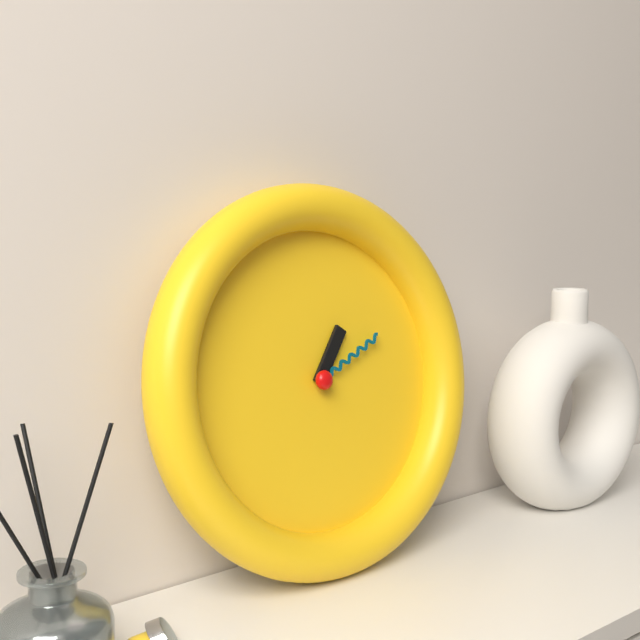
1:11
